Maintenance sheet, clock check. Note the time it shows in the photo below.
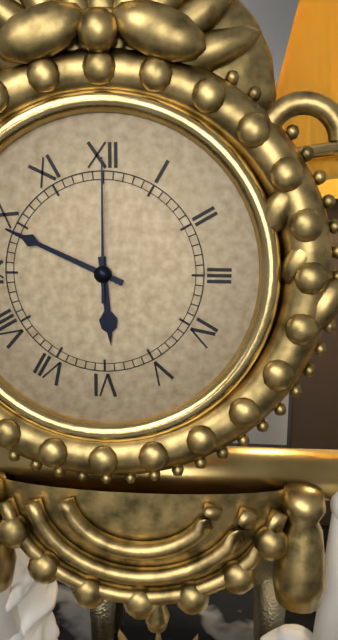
5:49:00
